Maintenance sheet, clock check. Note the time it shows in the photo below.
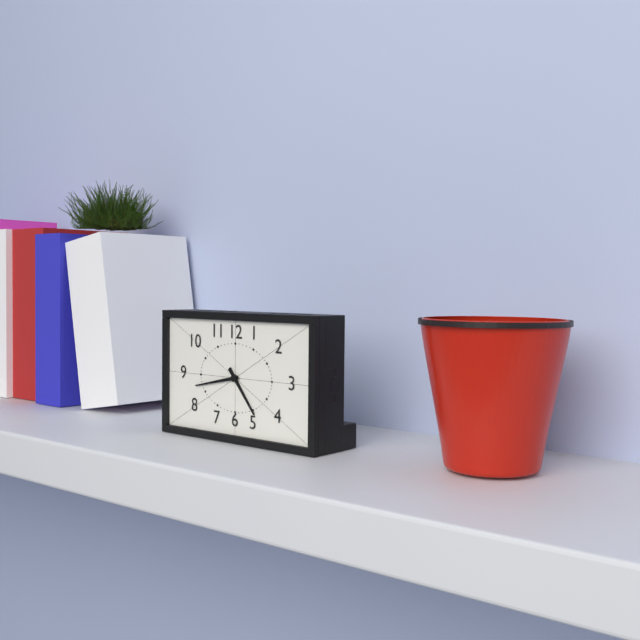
4:43
